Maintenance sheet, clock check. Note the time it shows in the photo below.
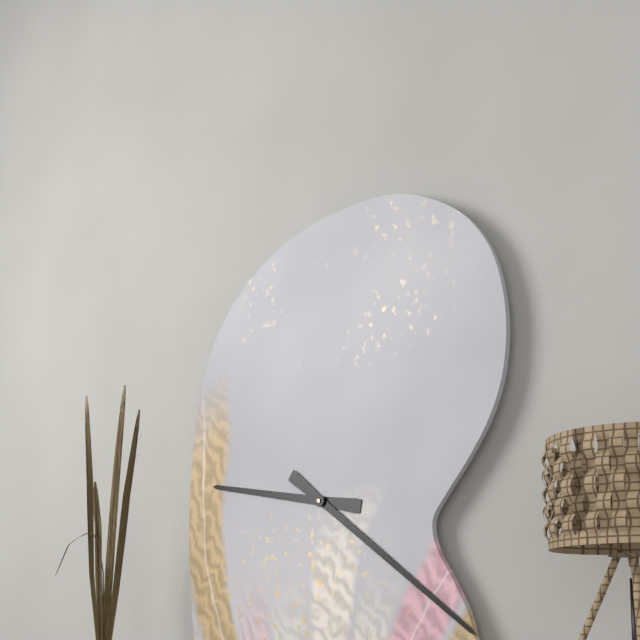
9:21
